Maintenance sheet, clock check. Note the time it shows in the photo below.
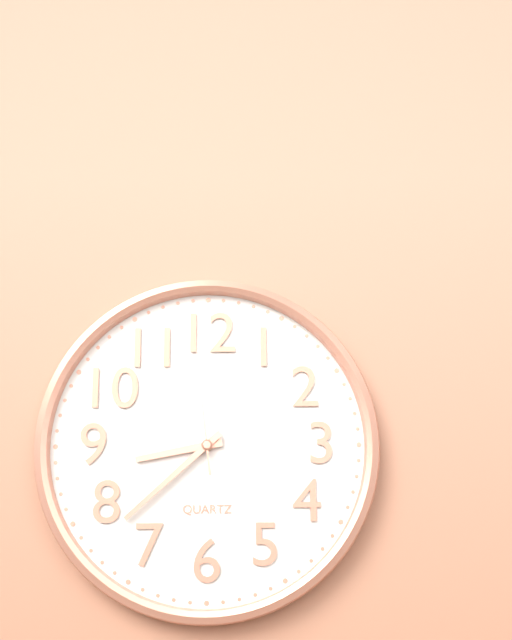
8:38:59
